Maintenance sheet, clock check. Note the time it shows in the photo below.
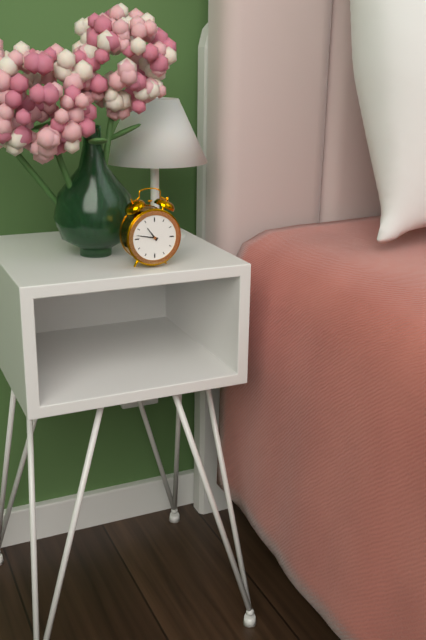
10:47
